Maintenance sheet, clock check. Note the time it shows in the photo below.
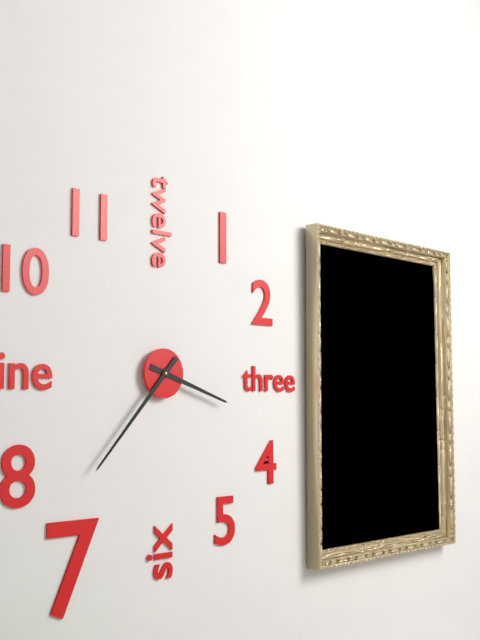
3:37
